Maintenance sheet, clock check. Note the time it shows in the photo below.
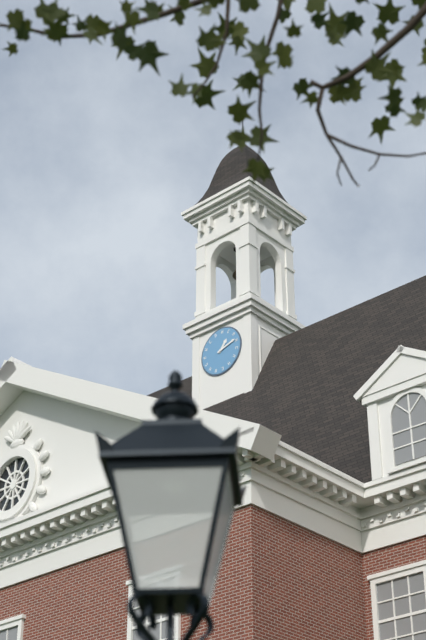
1:12
